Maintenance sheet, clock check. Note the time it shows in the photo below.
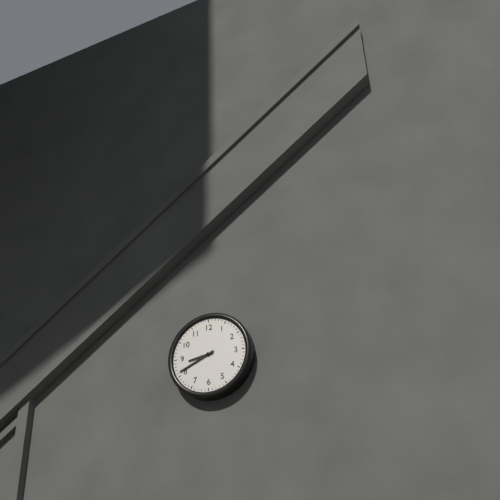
8:41
